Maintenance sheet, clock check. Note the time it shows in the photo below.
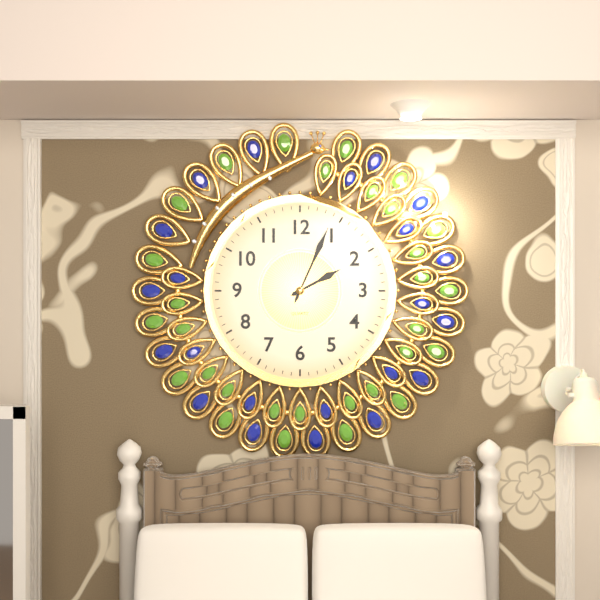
2:04
